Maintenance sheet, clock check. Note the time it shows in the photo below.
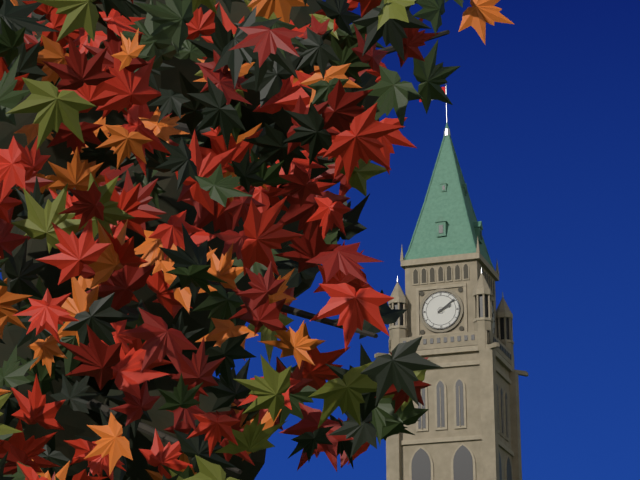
2:09
